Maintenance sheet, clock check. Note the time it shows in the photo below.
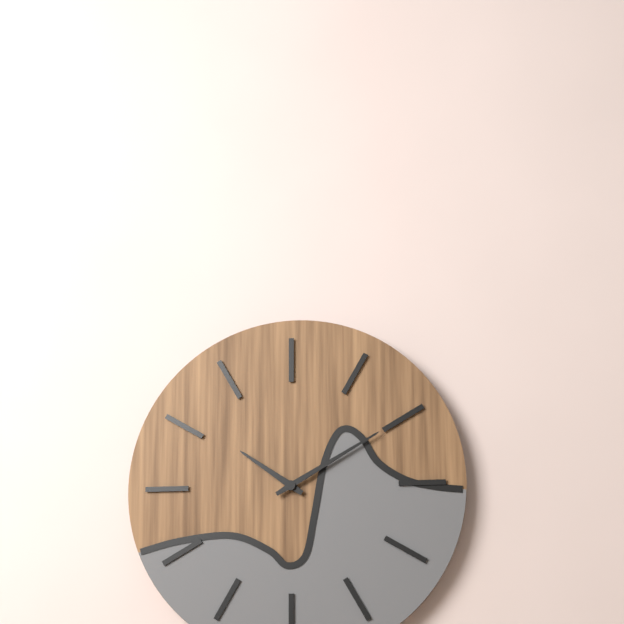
10:10
